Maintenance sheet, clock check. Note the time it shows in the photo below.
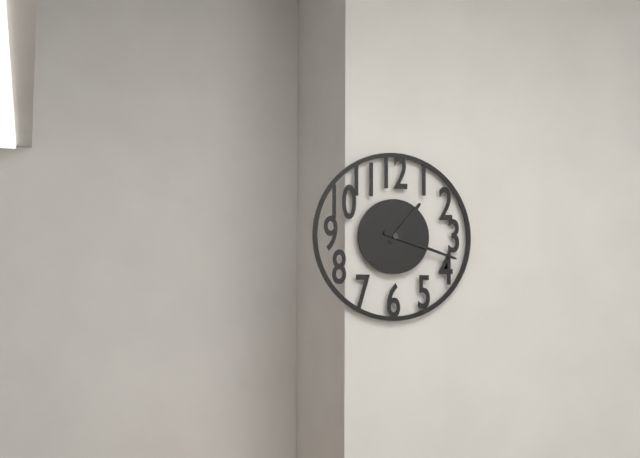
1:18
